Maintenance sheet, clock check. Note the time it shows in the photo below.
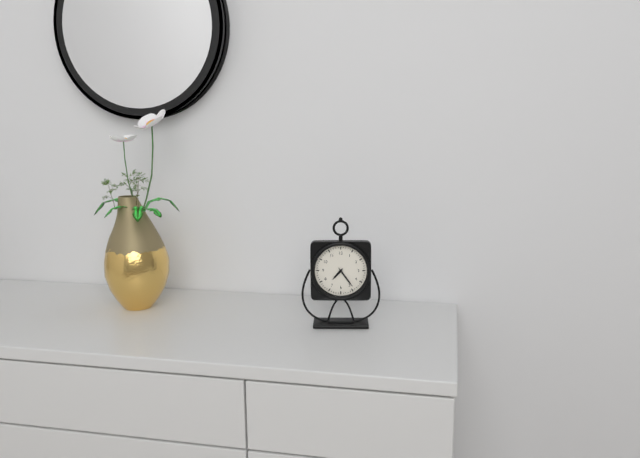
7:24
